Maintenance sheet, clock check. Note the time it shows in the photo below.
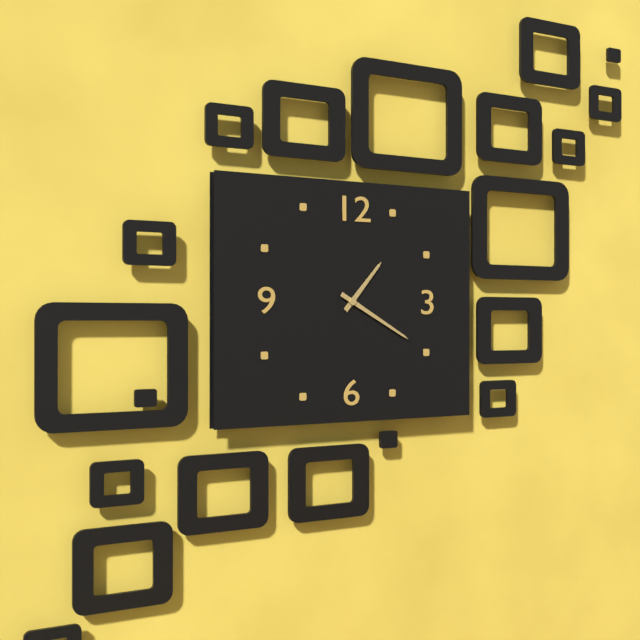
1:20
